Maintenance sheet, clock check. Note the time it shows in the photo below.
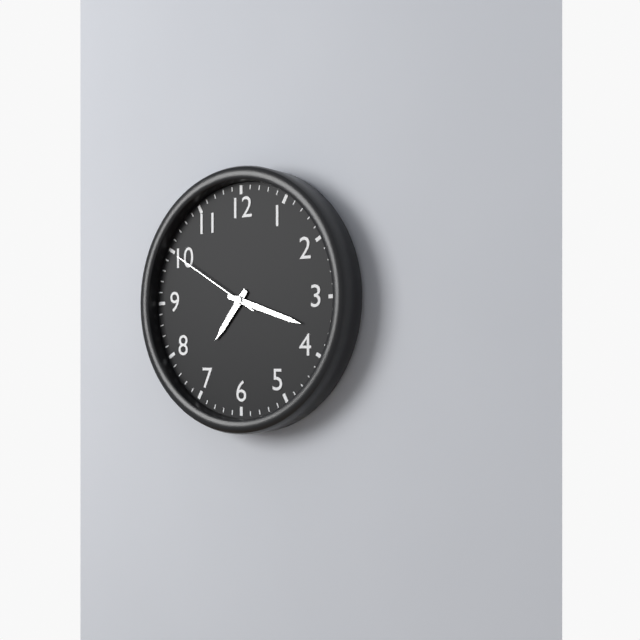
7:18:50
